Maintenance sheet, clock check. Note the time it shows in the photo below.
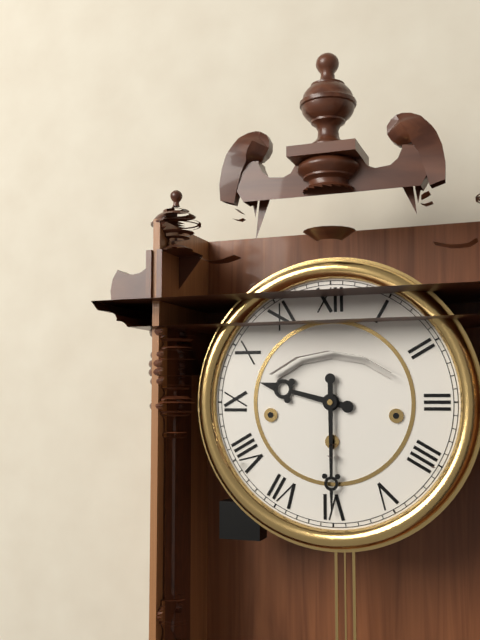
9:30
